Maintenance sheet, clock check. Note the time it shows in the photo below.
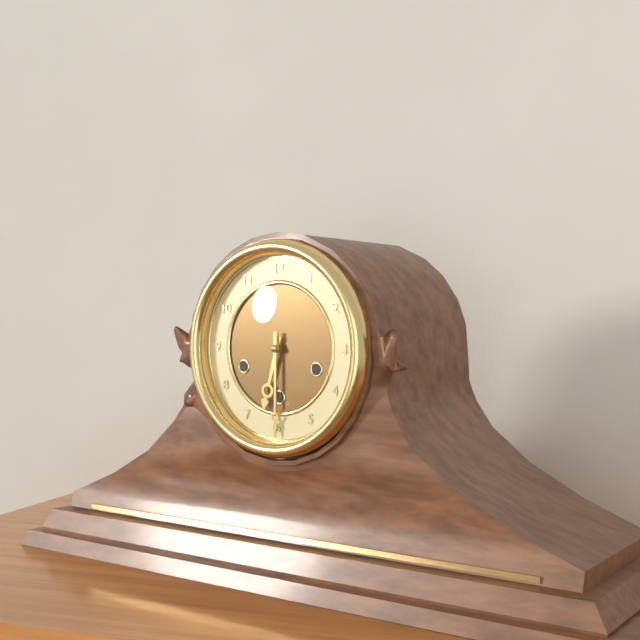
6:30
